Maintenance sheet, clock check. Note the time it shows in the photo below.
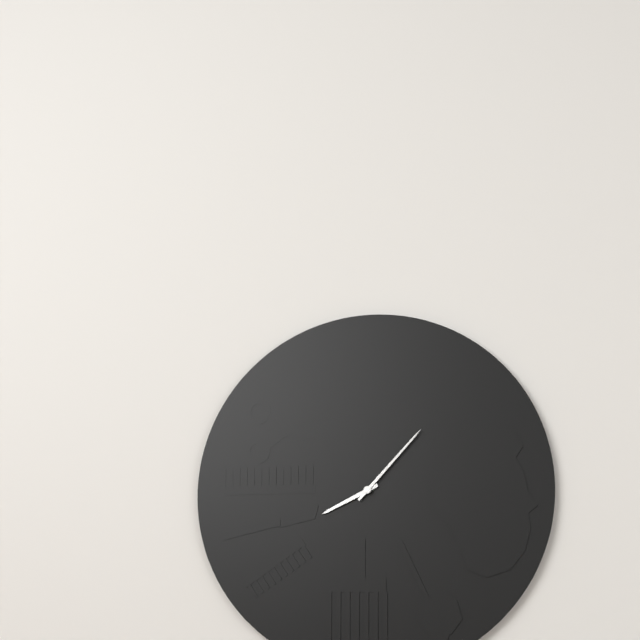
8:07
